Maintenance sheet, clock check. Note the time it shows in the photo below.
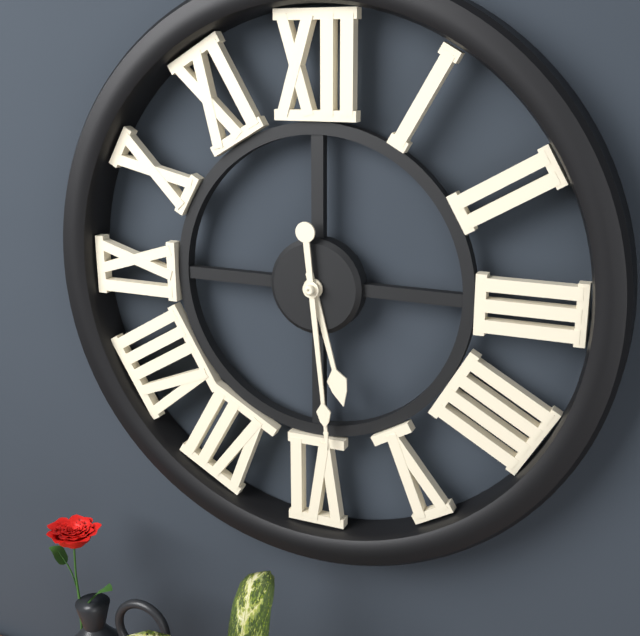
5:29
